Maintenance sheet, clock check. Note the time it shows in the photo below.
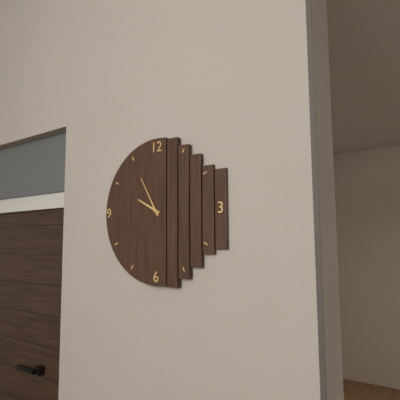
9:55
